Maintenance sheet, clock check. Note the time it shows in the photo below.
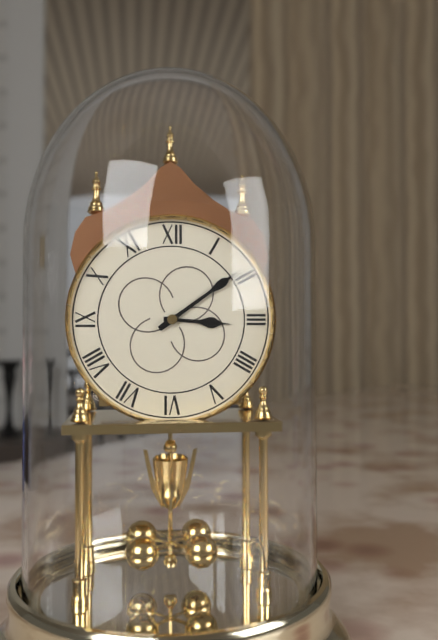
3:09
